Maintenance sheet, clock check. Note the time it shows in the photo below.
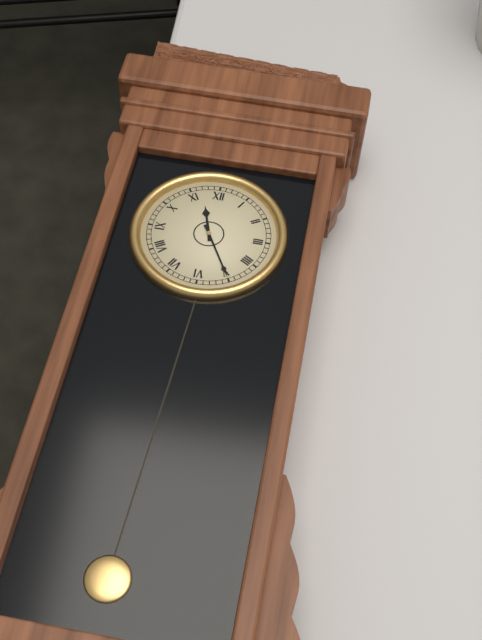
11:25
